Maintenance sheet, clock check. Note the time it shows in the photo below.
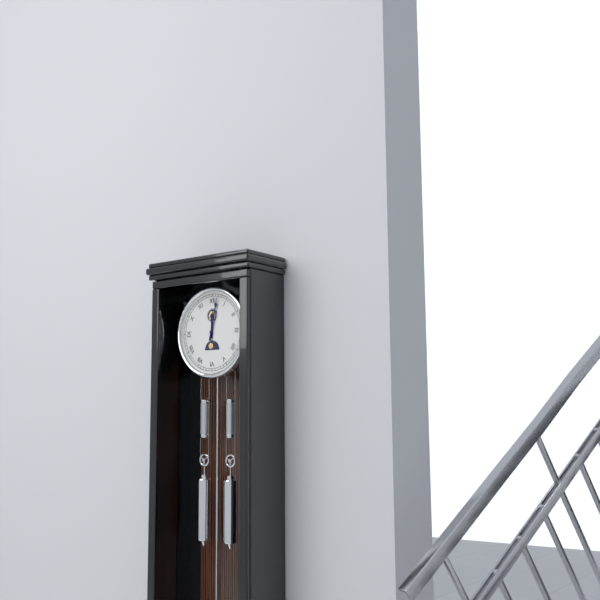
12:02
